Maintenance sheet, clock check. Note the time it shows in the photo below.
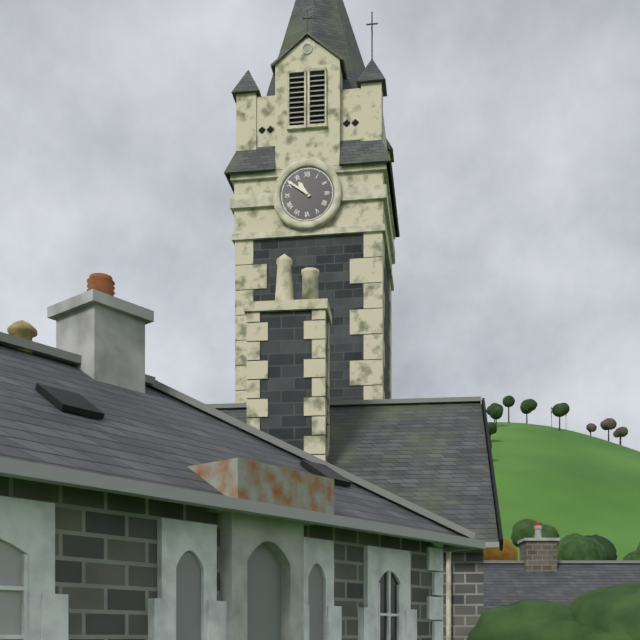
10:51
